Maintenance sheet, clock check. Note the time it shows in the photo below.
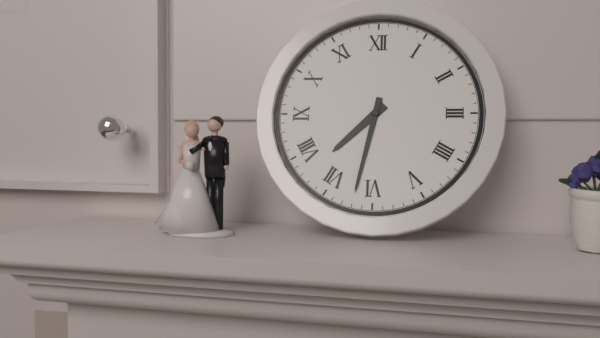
7:32
